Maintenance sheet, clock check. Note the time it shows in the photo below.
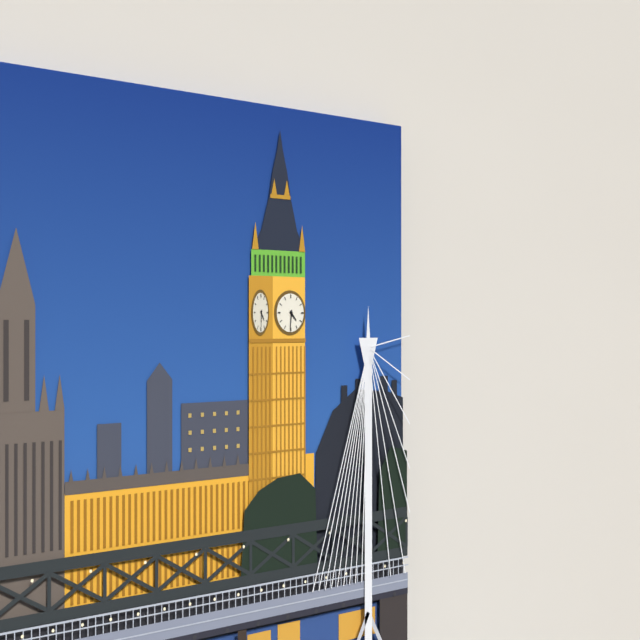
4:31
